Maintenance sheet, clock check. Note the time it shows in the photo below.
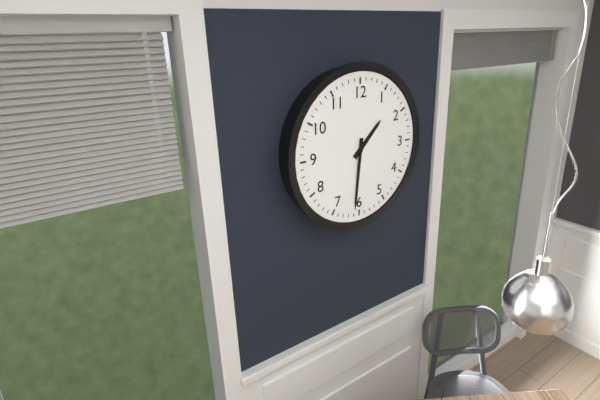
1:31
